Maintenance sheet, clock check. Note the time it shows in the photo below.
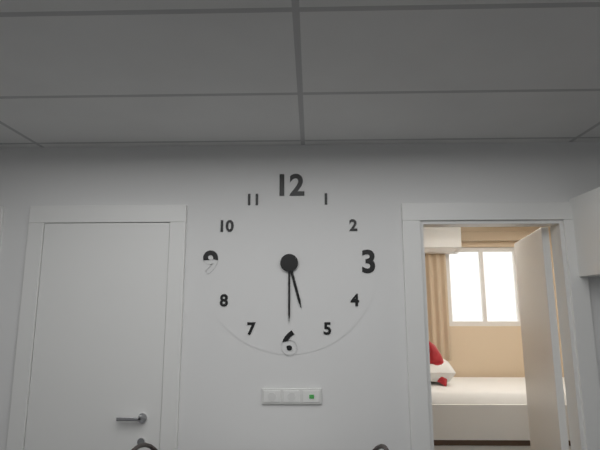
5:30
